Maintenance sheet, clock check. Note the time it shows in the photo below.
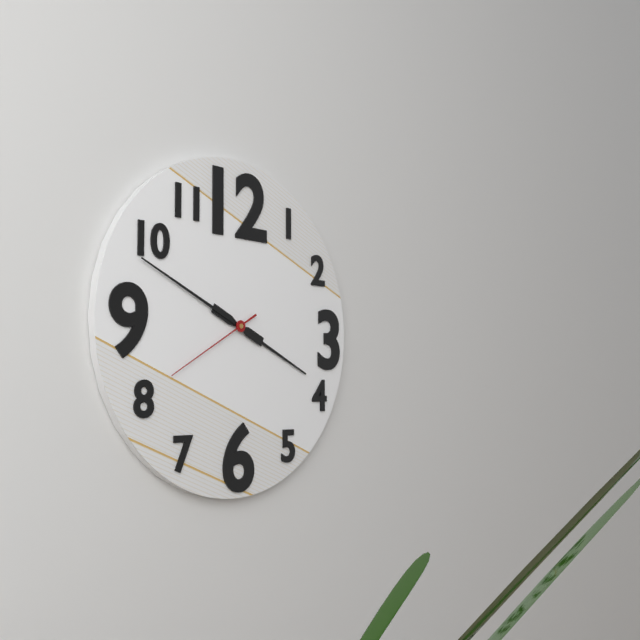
3:49:40
